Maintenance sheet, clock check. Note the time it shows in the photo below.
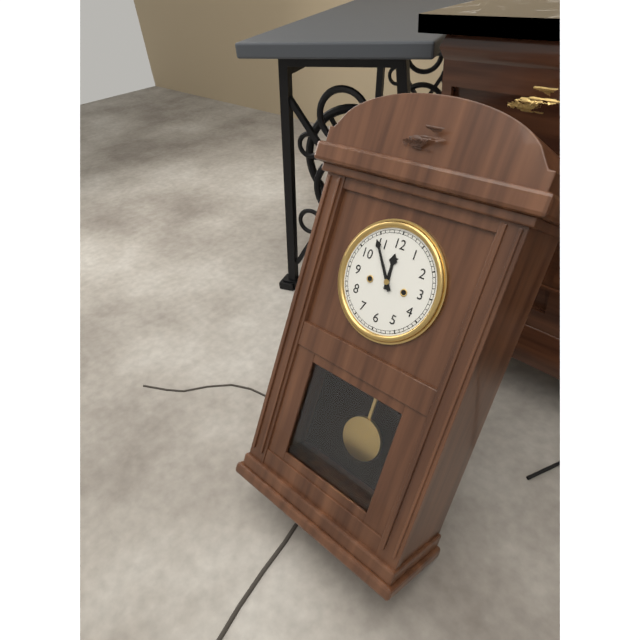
11:54
